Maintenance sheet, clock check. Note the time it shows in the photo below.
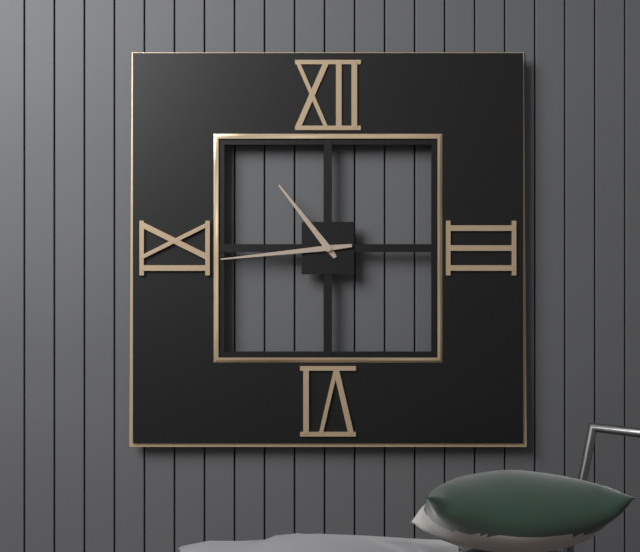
10:44
